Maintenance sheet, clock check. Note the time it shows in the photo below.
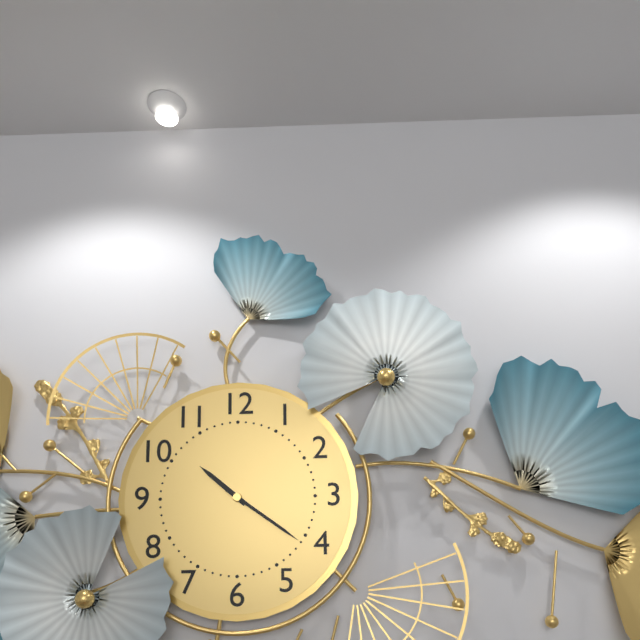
10:21
